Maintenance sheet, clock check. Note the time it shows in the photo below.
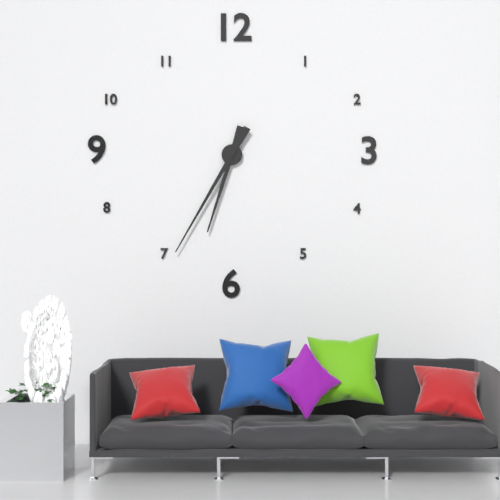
6:35
